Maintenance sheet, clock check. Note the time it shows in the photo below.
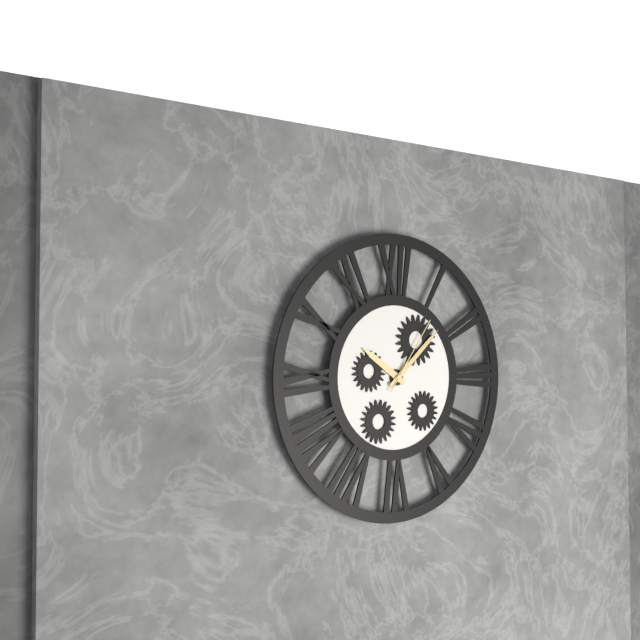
10:08:06
